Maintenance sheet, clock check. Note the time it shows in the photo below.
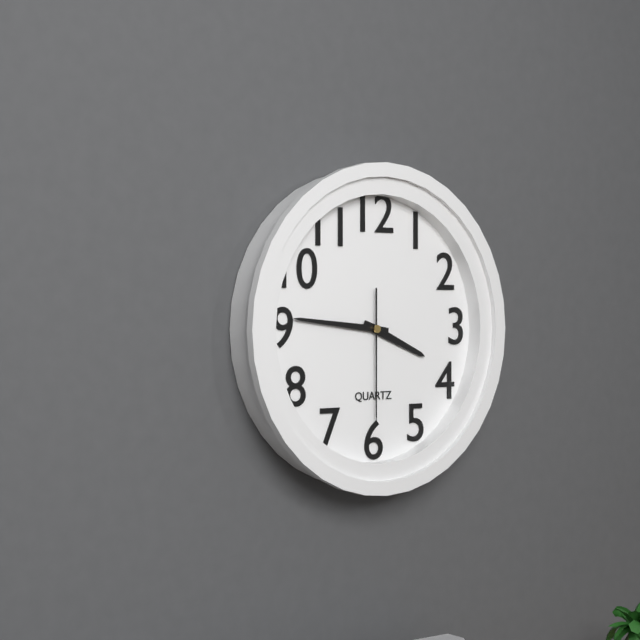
3:46:30
